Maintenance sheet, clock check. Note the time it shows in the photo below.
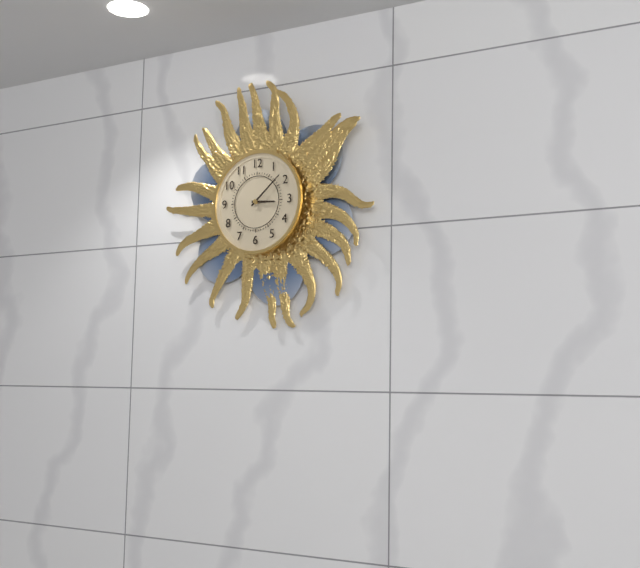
3:08
